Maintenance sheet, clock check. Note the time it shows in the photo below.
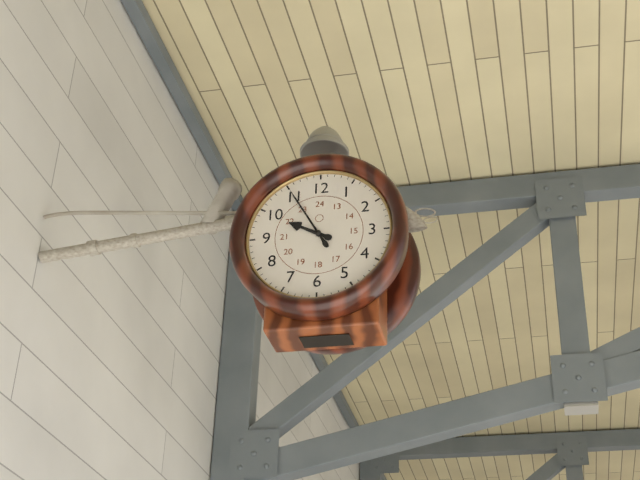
9:55
